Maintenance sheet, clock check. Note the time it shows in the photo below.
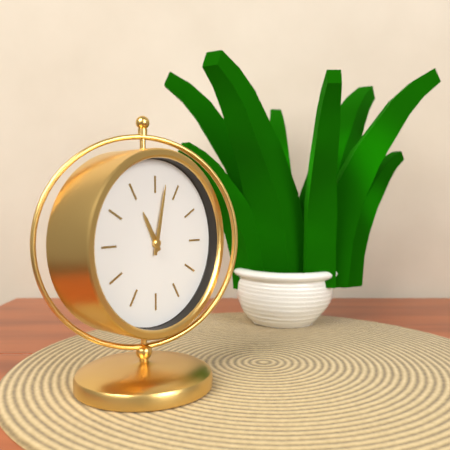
11:02
